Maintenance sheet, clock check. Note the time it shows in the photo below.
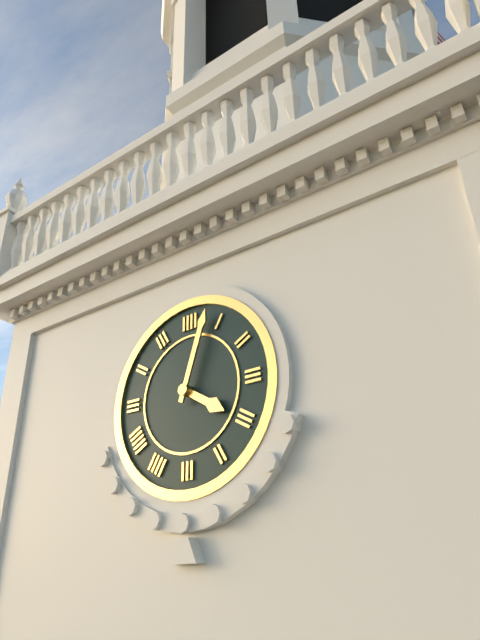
4:03
